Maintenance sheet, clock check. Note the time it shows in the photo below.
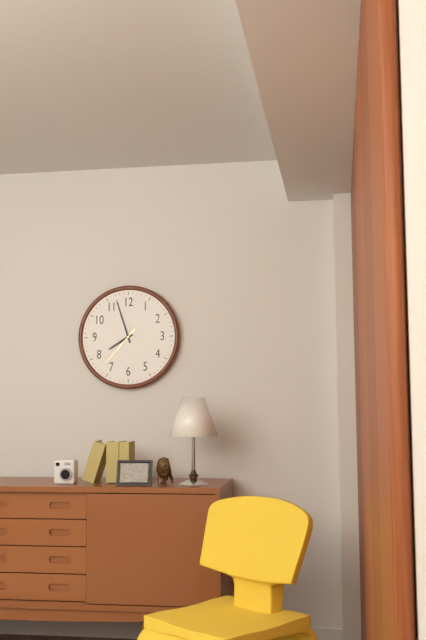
7:57
